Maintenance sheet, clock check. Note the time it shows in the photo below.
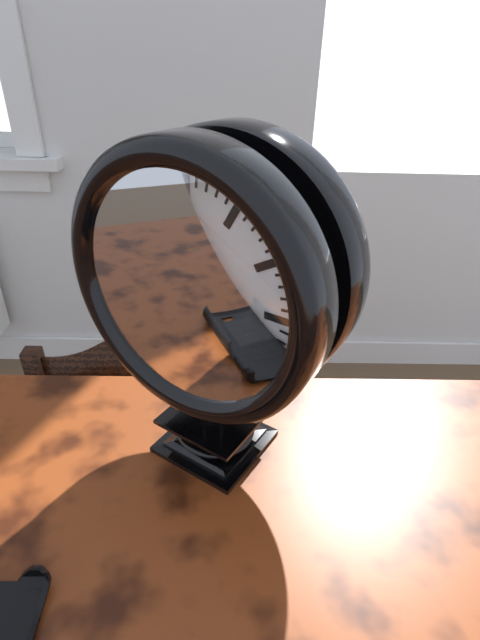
9:56:22
